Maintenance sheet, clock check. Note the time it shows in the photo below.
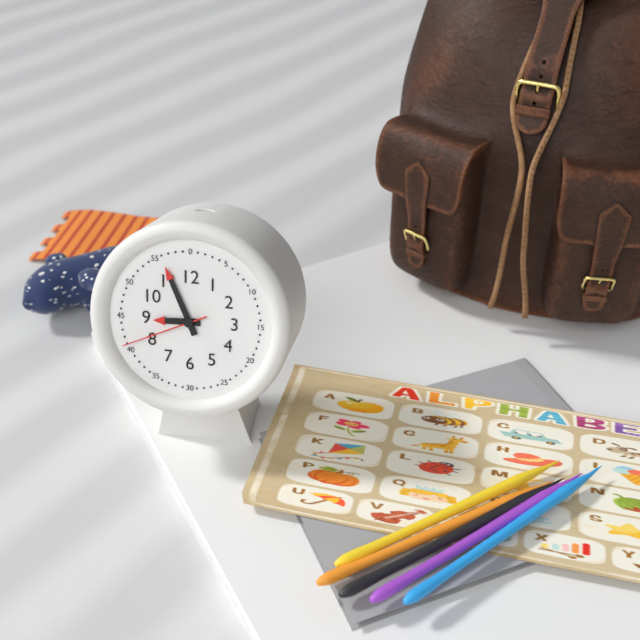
8:56:41
